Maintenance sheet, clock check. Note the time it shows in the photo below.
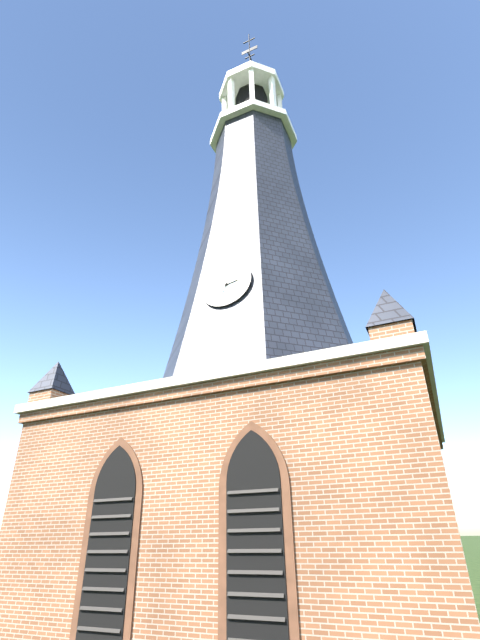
2:34
